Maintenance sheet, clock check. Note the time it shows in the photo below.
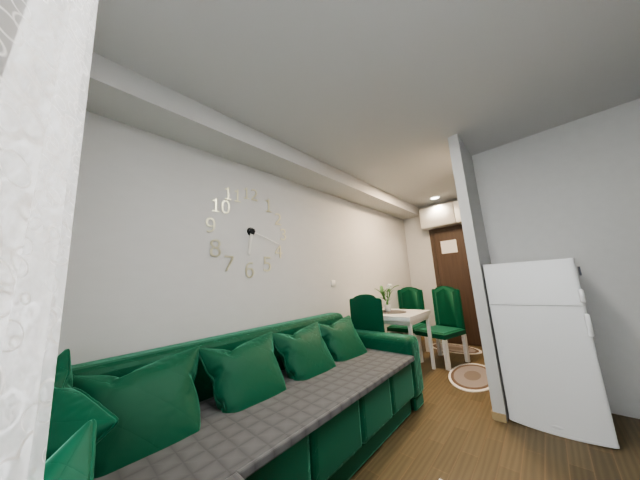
6:18
